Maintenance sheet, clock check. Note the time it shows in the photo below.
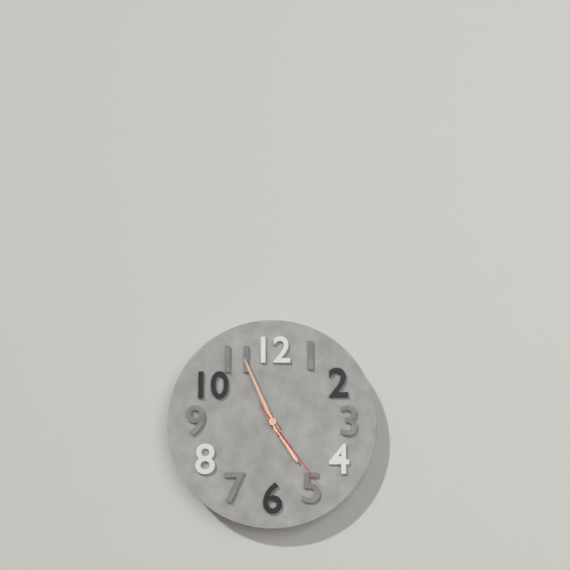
4:56:24
